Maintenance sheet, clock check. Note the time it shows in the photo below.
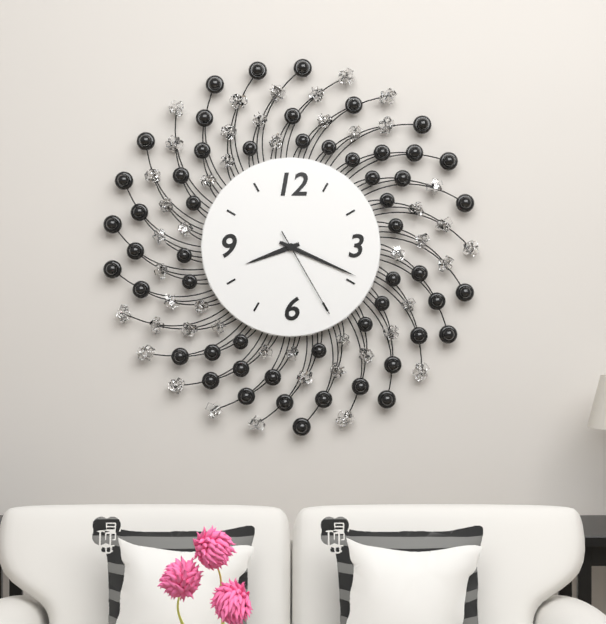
8:19:25
